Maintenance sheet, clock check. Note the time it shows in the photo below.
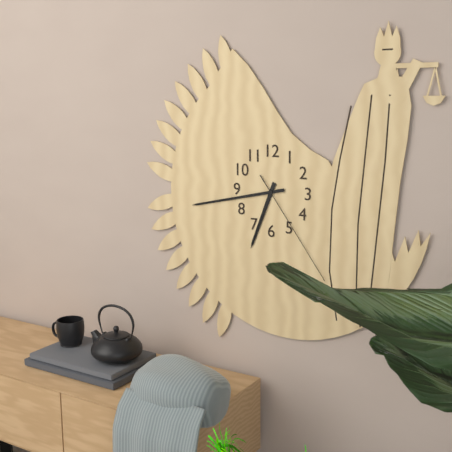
6:43:24
